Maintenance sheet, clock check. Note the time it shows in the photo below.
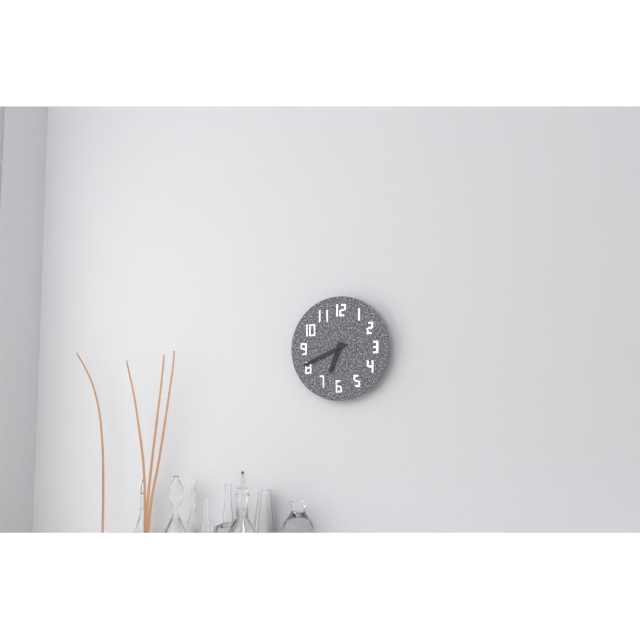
6:41
